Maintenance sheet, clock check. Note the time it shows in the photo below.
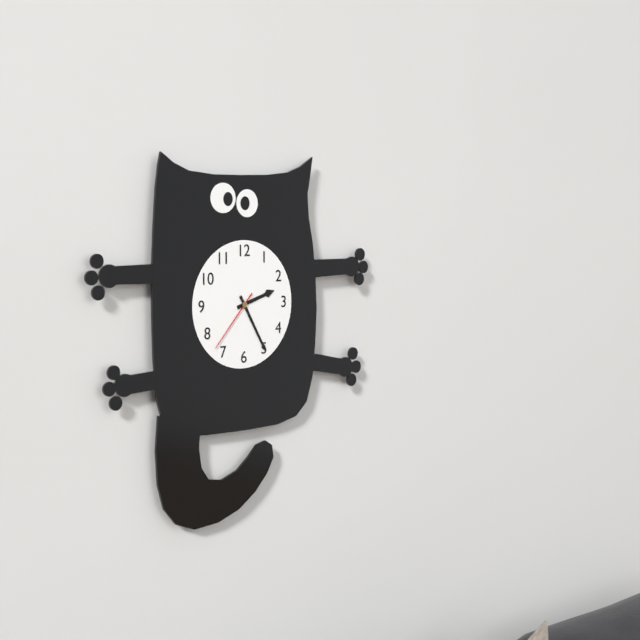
2:25:37
